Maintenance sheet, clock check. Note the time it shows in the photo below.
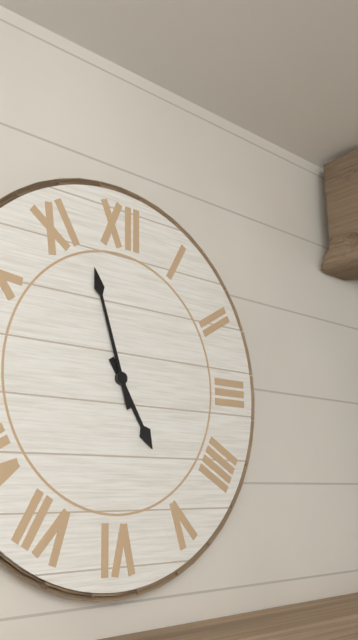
4:57
